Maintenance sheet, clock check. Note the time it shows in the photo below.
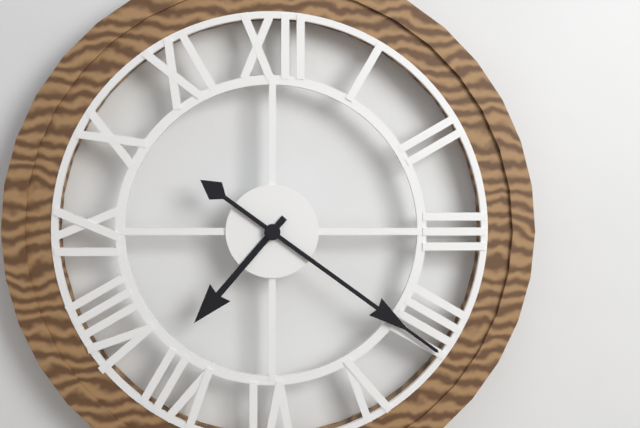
7:21
